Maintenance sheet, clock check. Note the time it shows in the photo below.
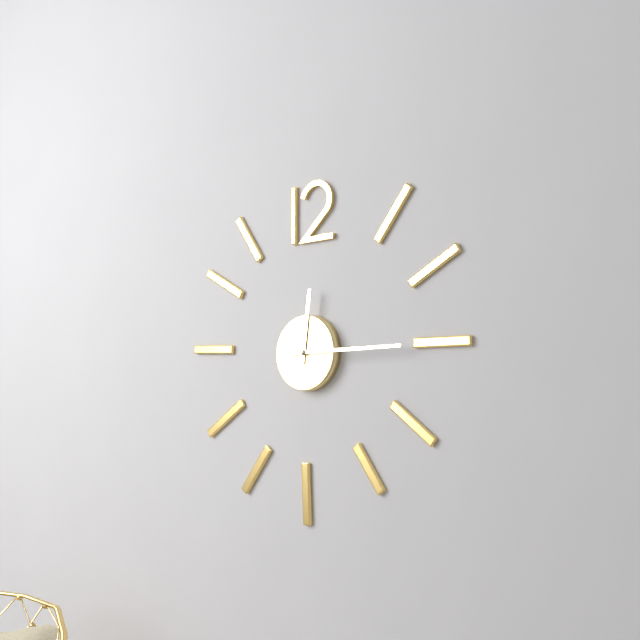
12:15
